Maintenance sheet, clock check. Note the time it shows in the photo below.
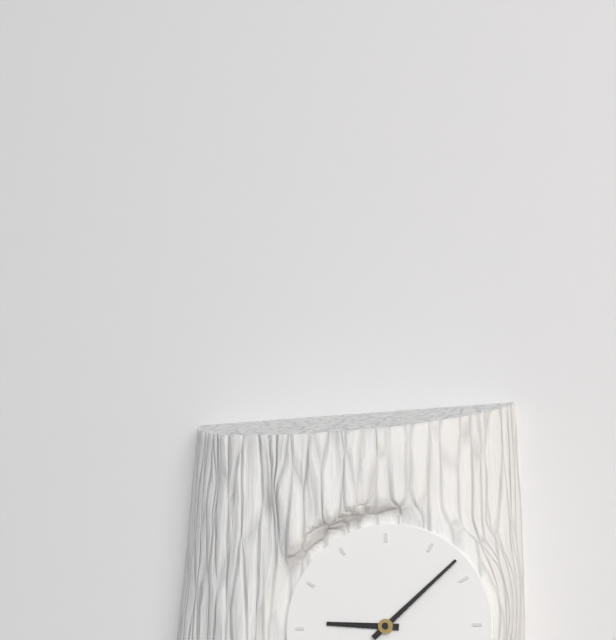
9:08
